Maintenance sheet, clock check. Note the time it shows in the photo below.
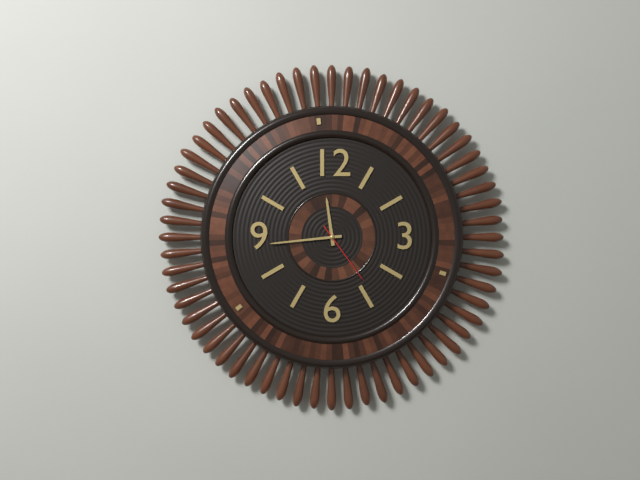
11:44:24
